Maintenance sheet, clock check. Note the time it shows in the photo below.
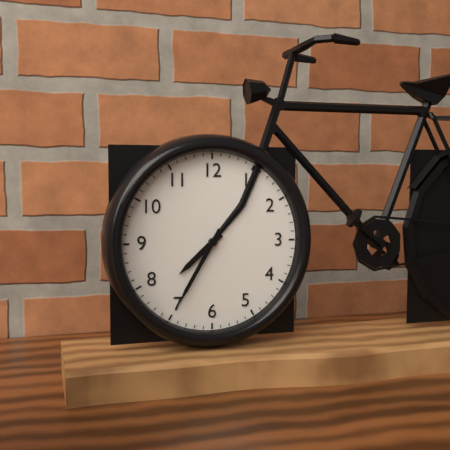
7:35
